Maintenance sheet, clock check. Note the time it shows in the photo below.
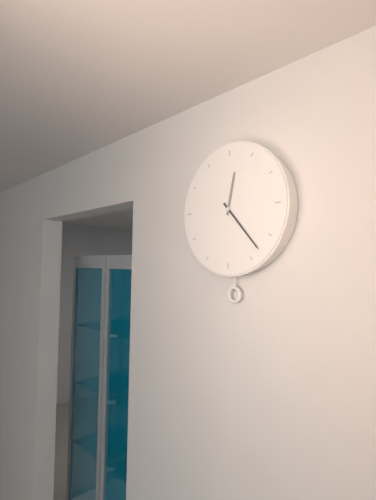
12:23
